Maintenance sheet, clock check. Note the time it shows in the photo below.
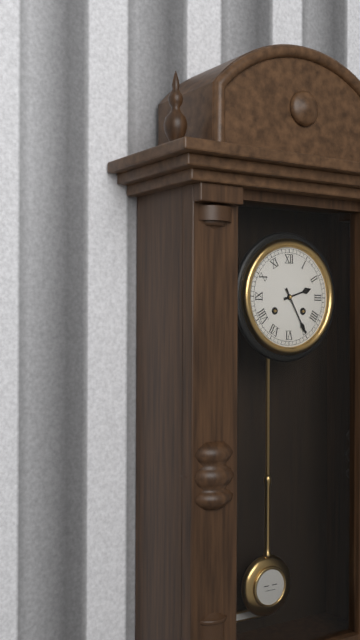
2:25
